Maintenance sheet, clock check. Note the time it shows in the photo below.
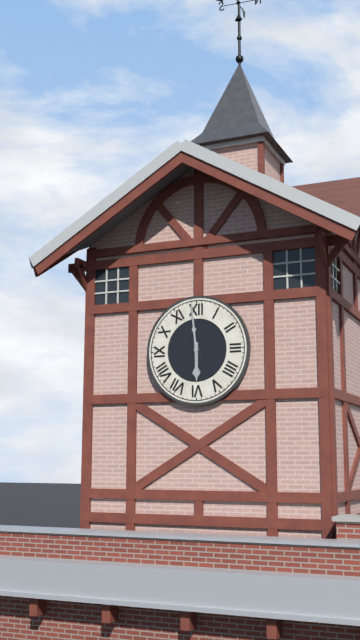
5:59
